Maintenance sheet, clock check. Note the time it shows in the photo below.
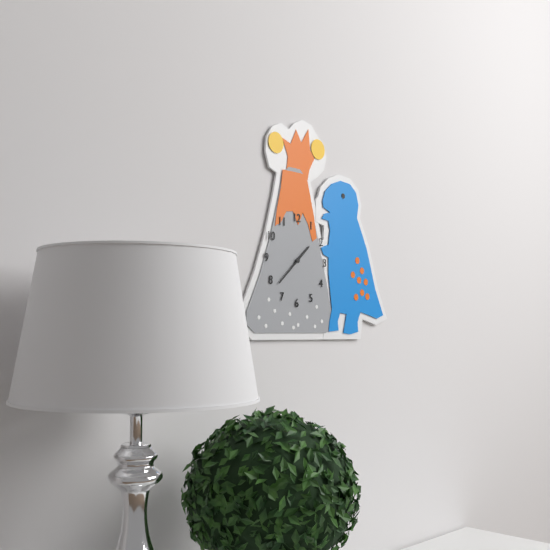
1:38
